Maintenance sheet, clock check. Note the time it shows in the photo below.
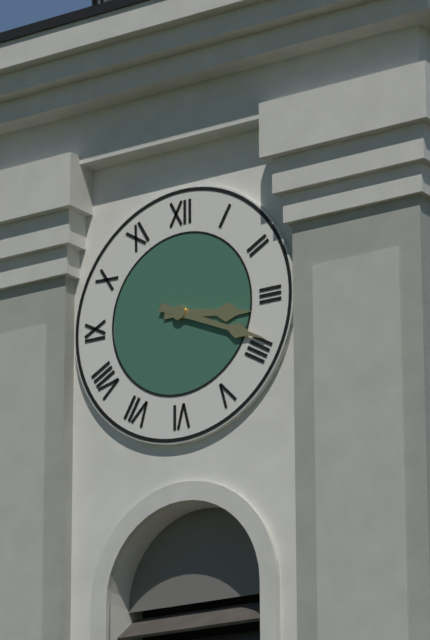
3:19
